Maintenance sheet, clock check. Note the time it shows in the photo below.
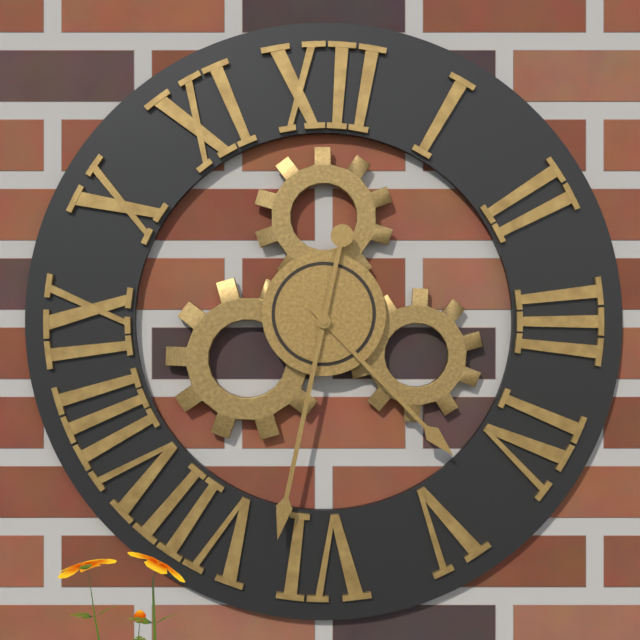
4:32
